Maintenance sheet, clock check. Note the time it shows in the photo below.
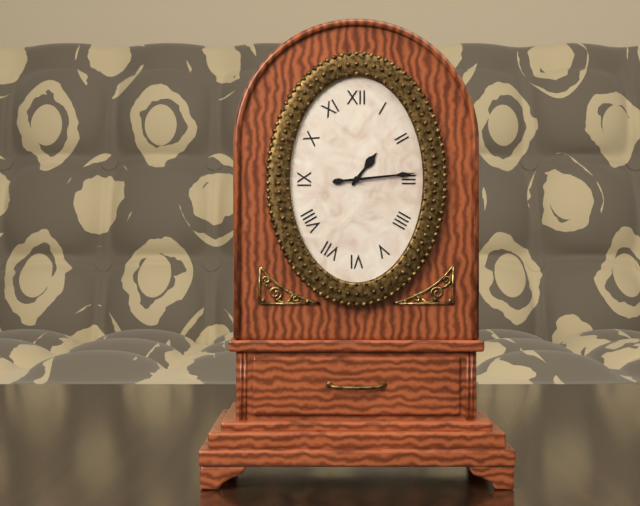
1:14
